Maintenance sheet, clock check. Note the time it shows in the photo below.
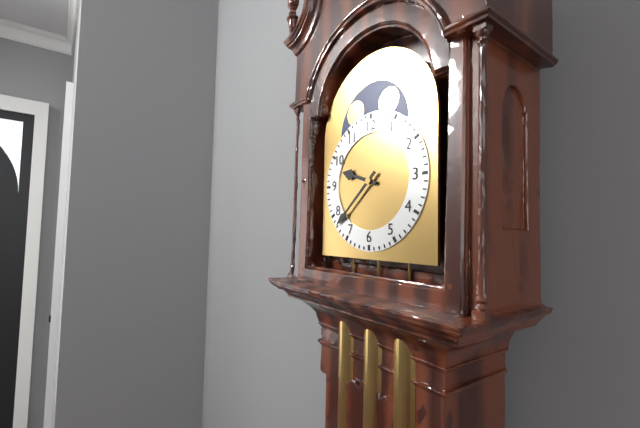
9:38
